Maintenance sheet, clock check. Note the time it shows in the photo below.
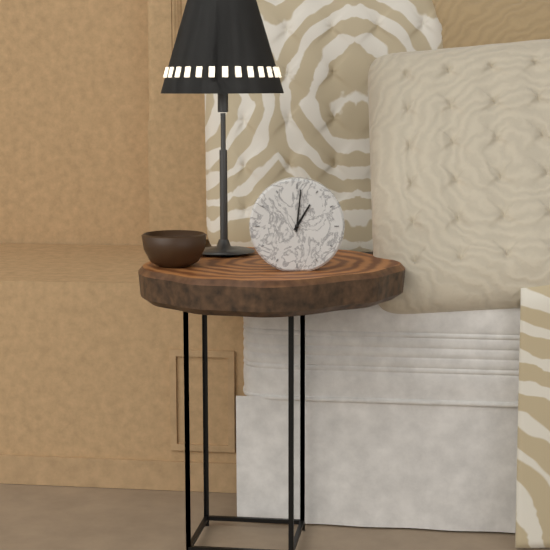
1:01
